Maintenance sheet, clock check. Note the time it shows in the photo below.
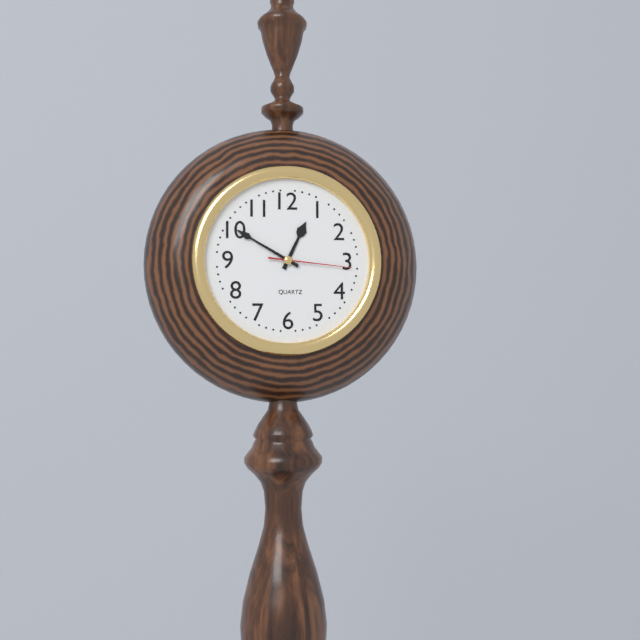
12:50:16
